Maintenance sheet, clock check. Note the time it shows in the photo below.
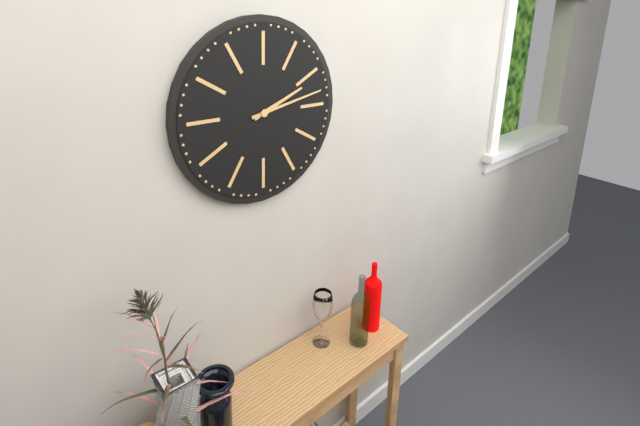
2:13
